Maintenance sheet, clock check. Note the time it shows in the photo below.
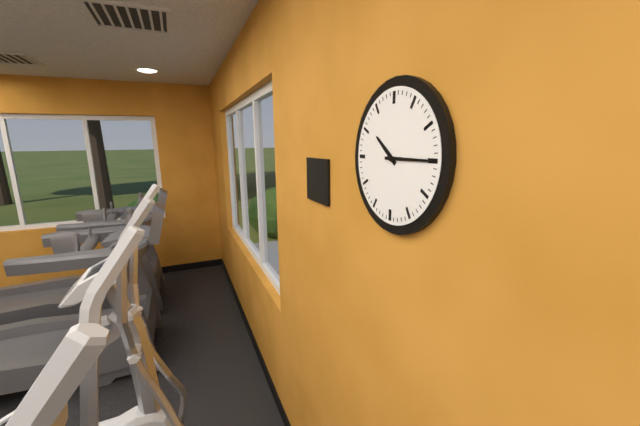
10:15
